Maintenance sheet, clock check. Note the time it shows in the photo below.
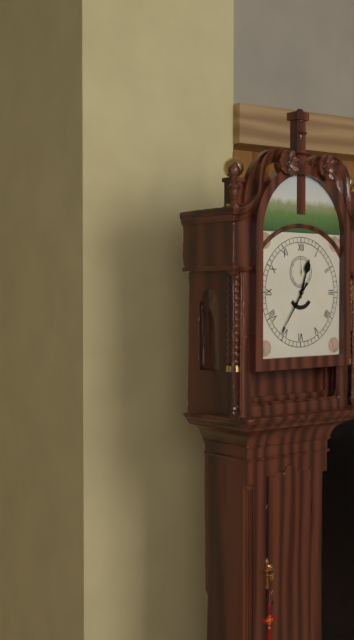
12:36
